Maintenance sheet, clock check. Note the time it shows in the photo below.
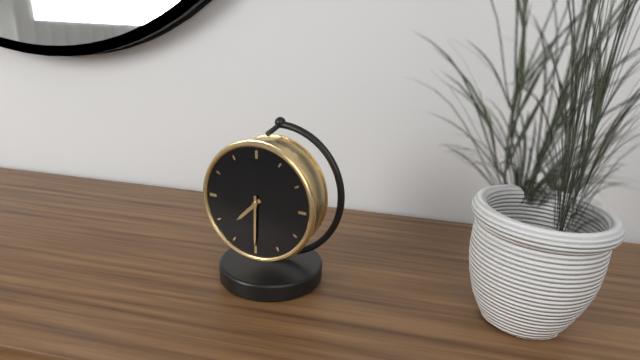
7:30
